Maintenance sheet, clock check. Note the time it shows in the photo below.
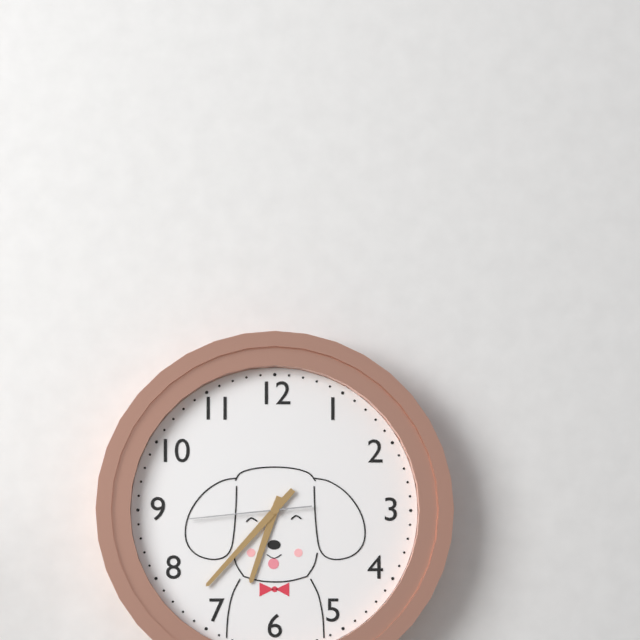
6:37:44
